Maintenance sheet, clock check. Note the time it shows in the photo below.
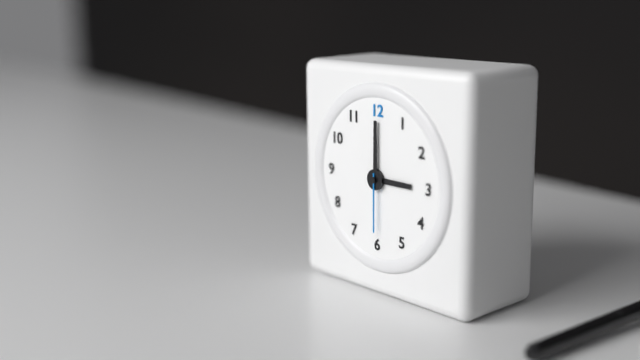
3:00:30
